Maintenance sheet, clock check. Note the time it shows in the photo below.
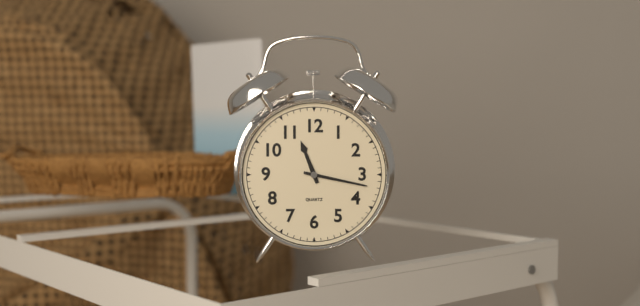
11:17
